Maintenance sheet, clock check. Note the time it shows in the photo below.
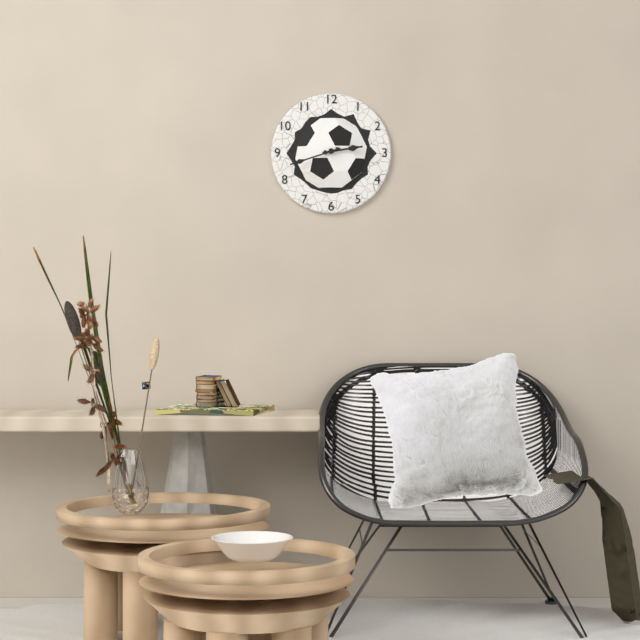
2:42
